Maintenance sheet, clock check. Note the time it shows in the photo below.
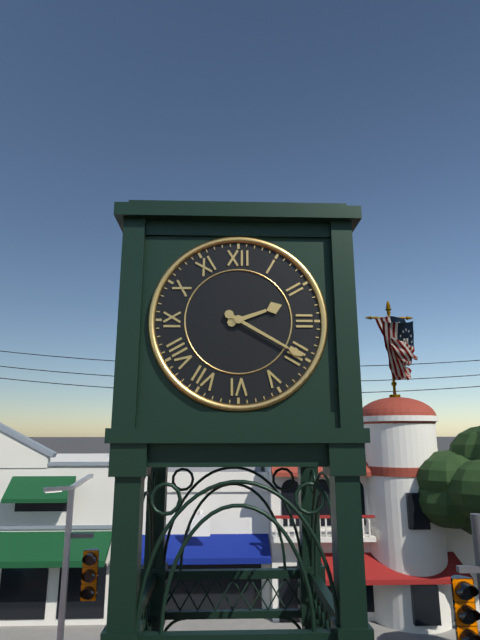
2:20
